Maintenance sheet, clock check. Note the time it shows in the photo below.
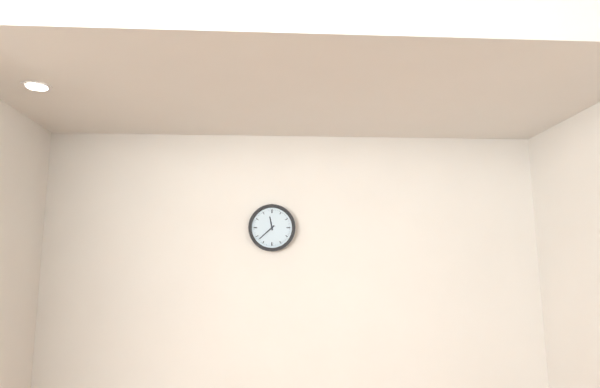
11:38
